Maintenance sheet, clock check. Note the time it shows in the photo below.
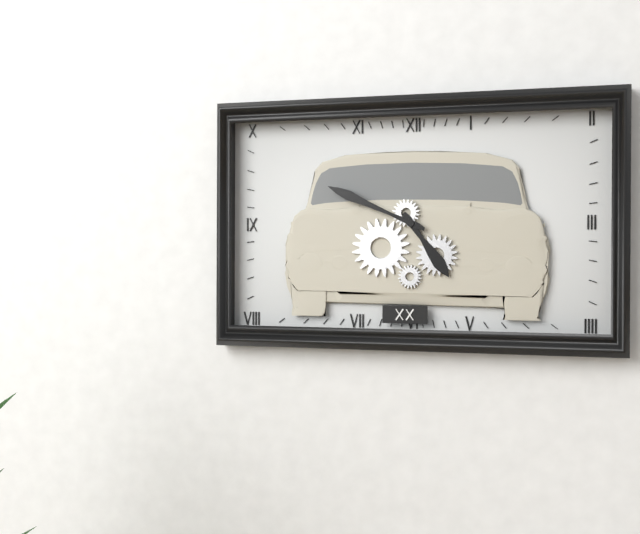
4:49
